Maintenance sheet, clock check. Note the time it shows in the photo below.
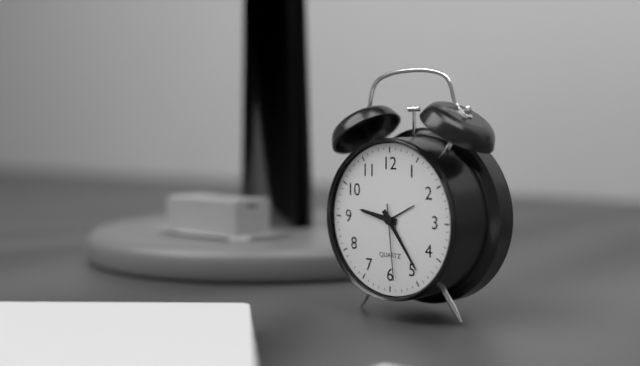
9:24:29
